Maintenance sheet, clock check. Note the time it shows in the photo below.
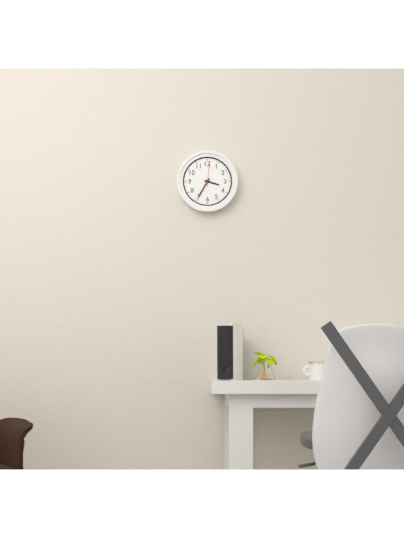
3:35
